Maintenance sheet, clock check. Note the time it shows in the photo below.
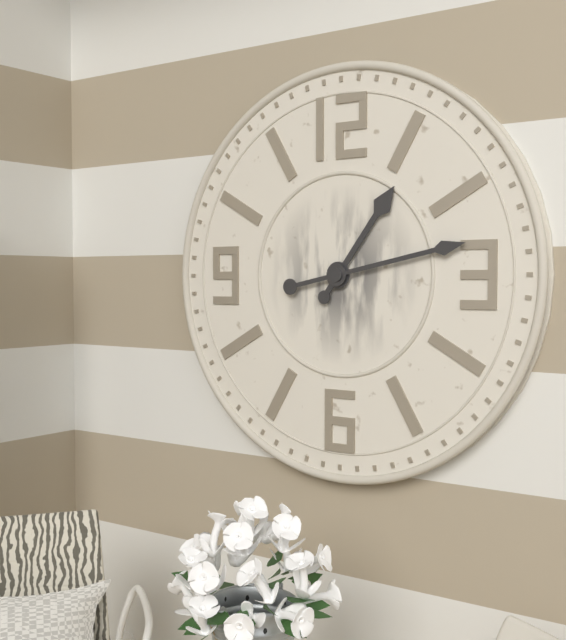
1:13
